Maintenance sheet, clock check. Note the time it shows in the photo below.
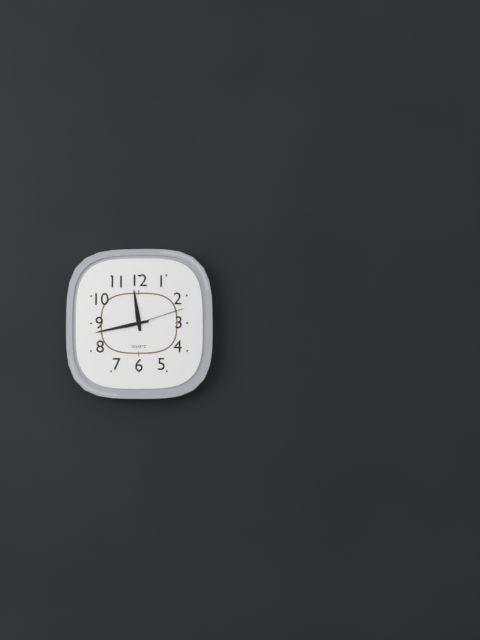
11:43:12
